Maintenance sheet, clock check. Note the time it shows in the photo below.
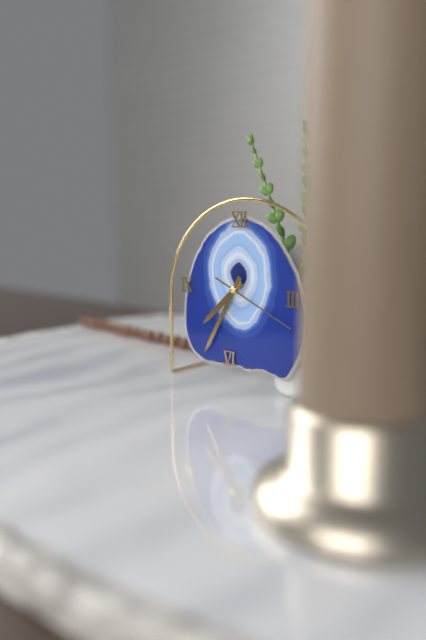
7:35:19
